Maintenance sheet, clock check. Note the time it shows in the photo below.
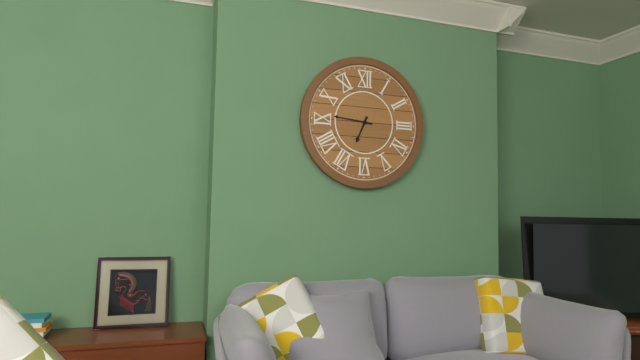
6:46
